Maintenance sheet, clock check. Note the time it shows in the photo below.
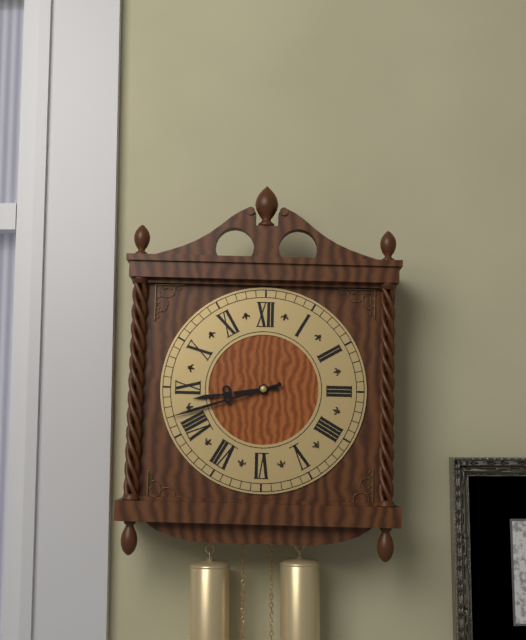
8:42
